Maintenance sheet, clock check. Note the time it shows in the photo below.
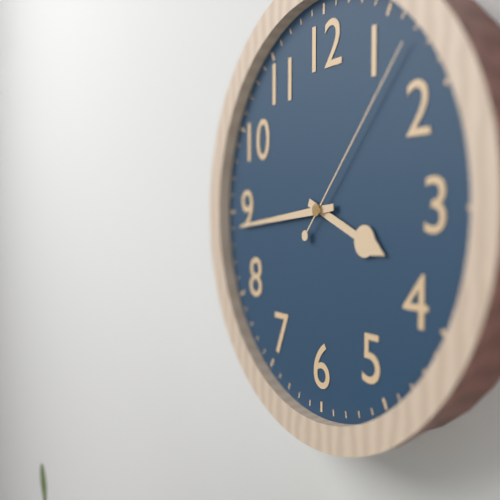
3:44:07
